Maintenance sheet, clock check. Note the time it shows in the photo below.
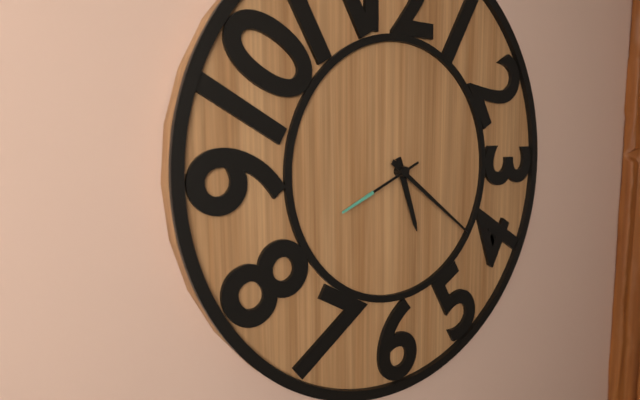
5:21:41
